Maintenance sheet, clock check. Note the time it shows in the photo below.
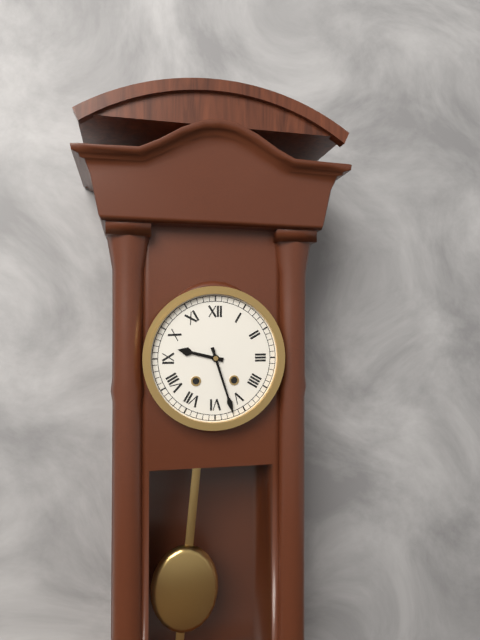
9:27
